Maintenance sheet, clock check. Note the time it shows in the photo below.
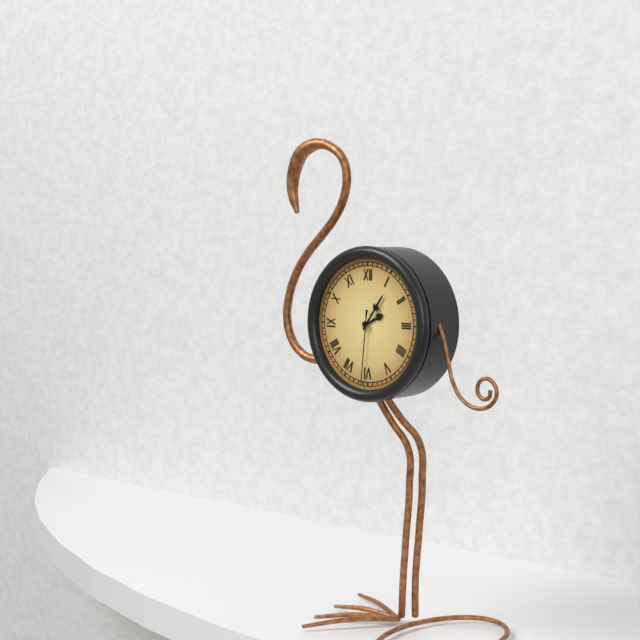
2:06:31
